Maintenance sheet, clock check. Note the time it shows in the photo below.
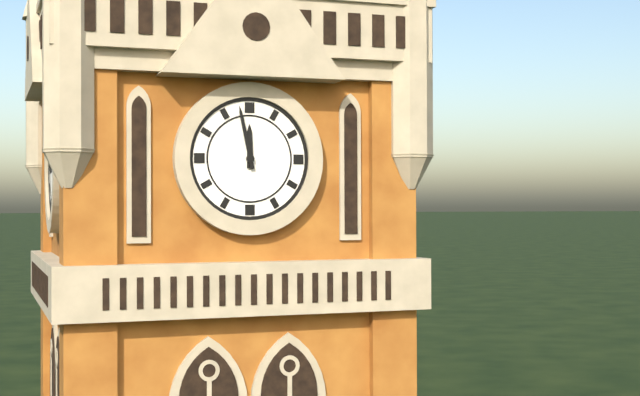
11:58
